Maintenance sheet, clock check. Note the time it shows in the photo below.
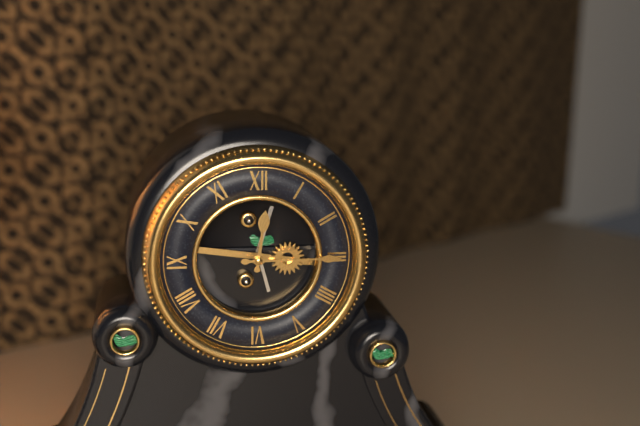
12:15
